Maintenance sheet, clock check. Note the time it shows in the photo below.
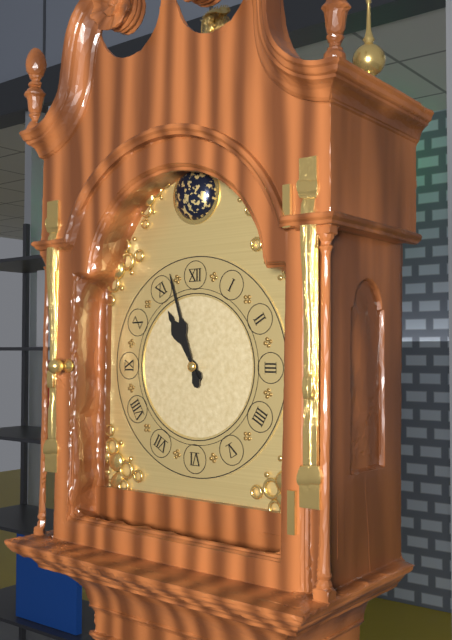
10:57
